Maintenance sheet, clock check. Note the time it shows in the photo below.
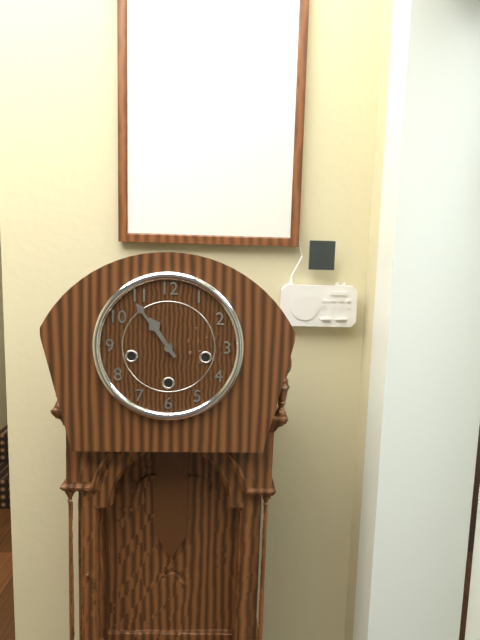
10:54
